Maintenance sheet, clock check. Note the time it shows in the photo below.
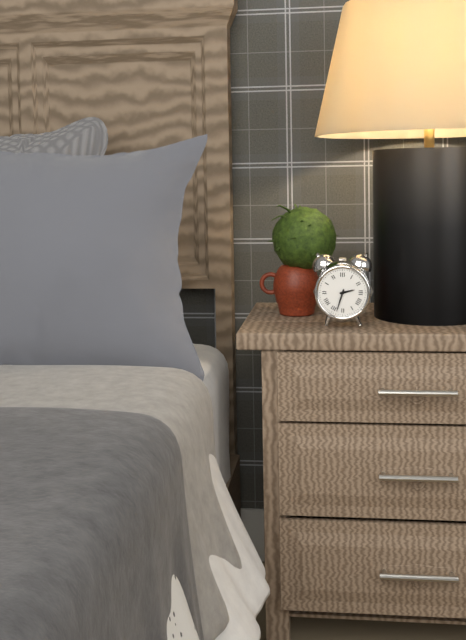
2:33
